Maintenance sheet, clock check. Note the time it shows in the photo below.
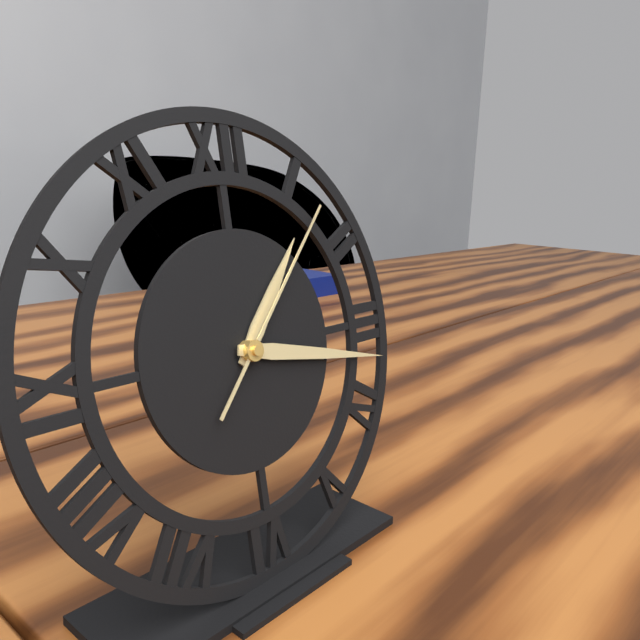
1:17:07
